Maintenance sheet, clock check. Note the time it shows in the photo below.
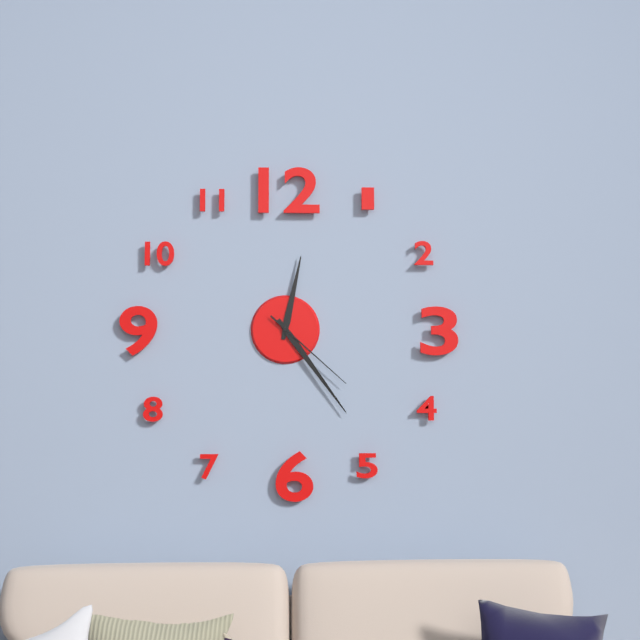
12:24:22
